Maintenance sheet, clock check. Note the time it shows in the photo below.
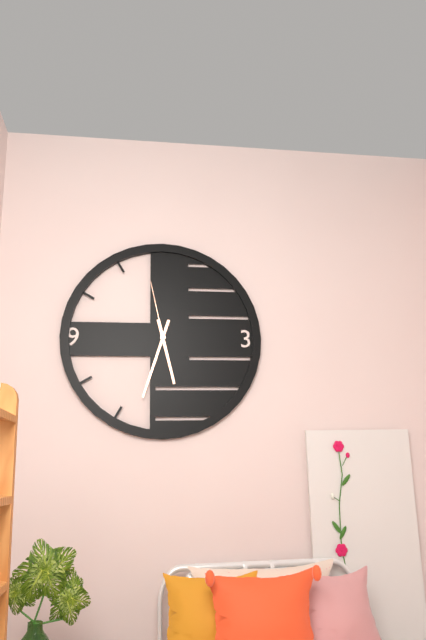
5:33:58
